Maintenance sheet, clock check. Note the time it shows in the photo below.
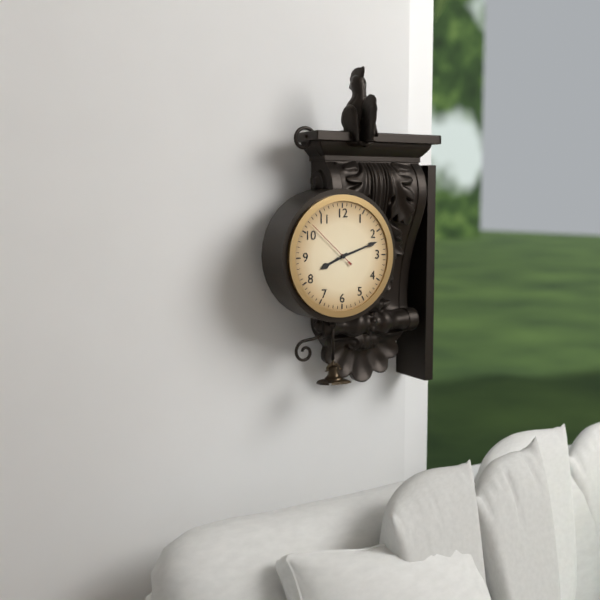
8:12:52
